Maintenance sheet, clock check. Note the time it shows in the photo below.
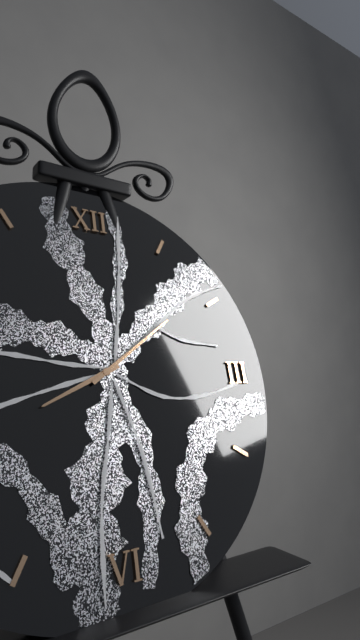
8:09
